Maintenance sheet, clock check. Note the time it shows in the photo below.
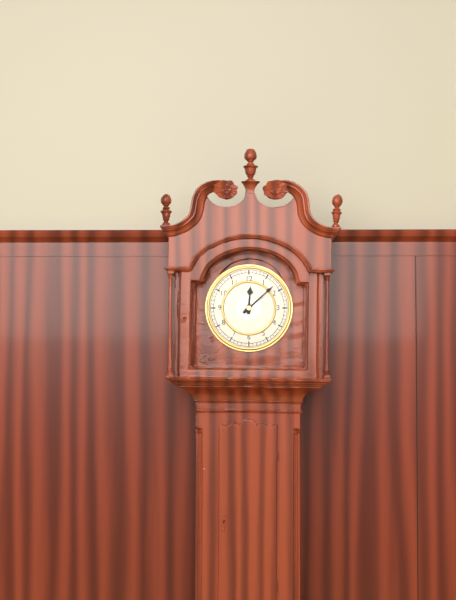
12:08
